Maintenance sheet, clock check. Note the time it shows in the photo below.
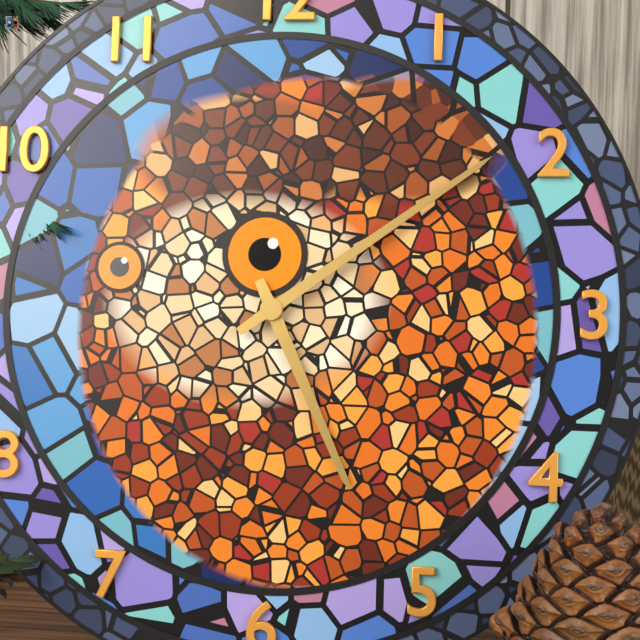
5:09
